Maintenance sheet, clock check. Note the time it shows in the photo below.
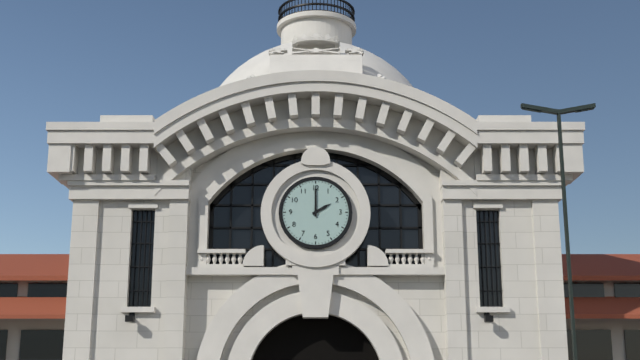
2:00
